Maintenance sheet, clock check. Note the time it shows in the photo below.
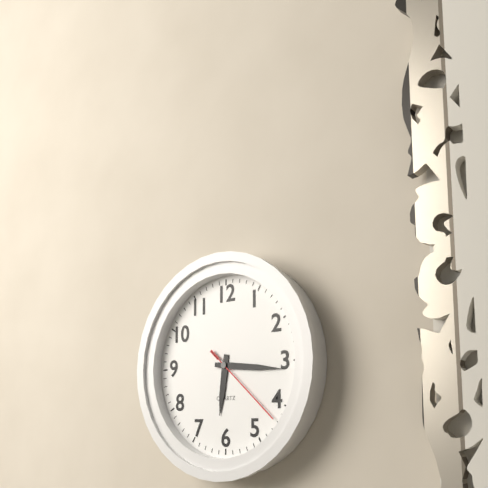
6:16:22
